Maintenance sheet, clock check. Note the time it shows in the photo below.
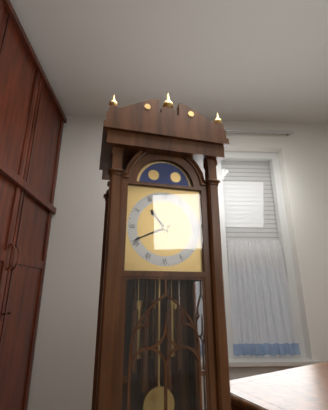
10:41
